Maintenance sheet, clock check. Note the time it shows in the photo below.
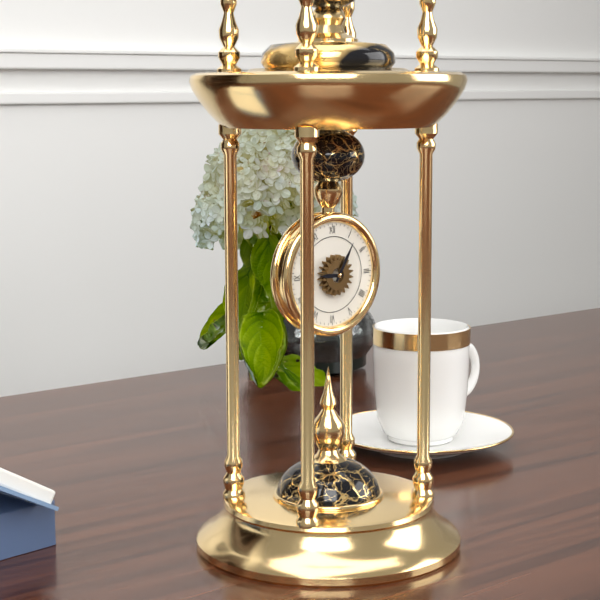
9:05
